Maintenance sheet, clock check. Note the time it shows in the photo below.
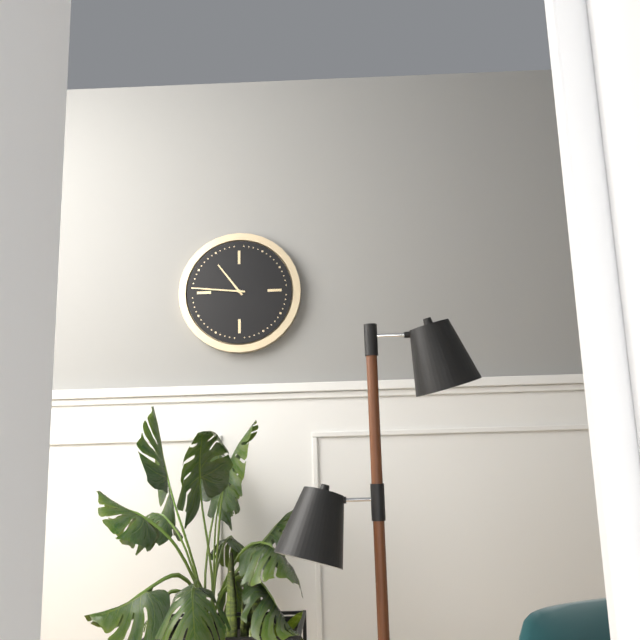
10:46
